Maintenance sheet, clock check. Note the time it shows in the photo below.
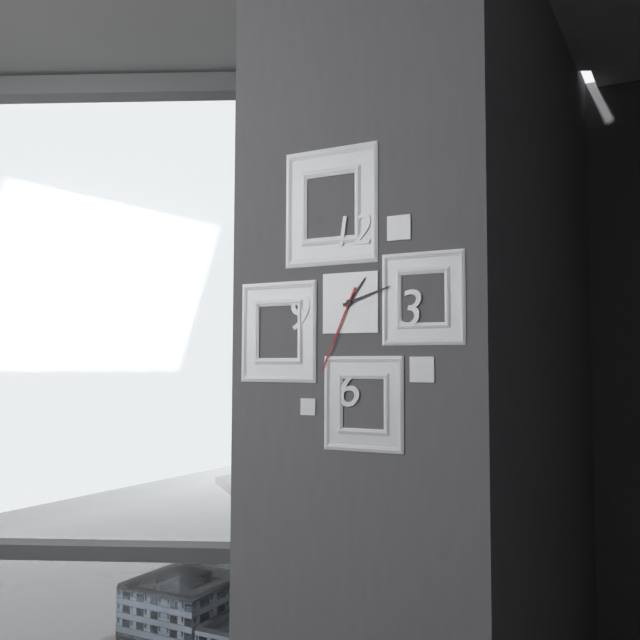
1:12:34
